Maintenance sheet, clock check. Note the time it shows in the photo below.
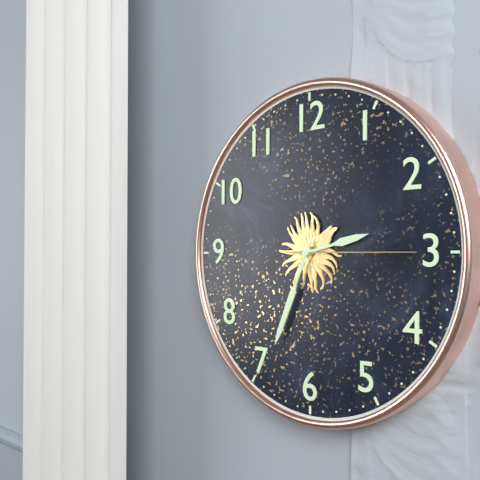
2:34:15
